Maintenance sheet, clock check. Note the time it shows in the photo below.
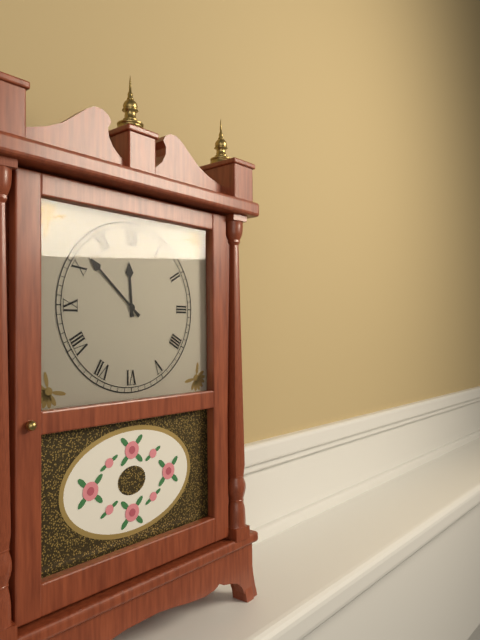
11:52
